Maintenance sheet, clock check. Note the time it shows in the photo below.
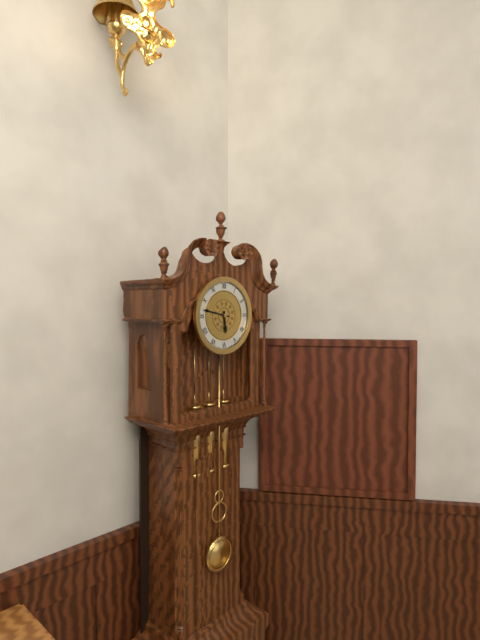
5:47
